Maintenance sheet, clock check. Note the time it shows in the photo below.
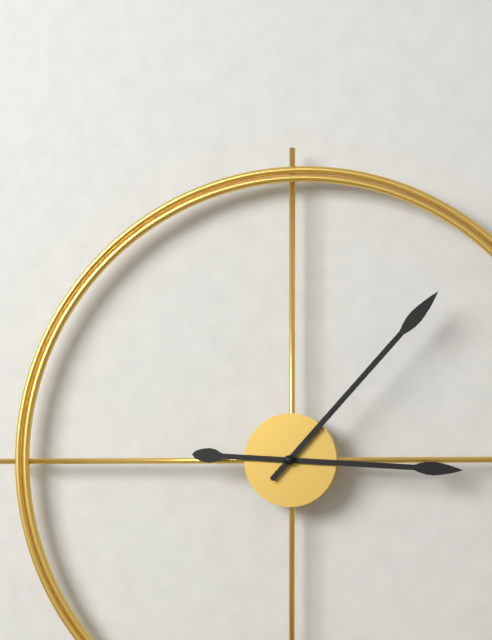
3:07
